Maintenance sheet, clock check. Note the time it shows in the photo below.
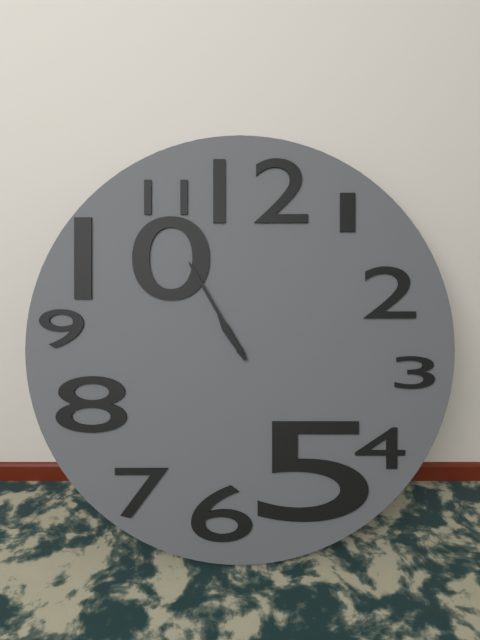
10:55
